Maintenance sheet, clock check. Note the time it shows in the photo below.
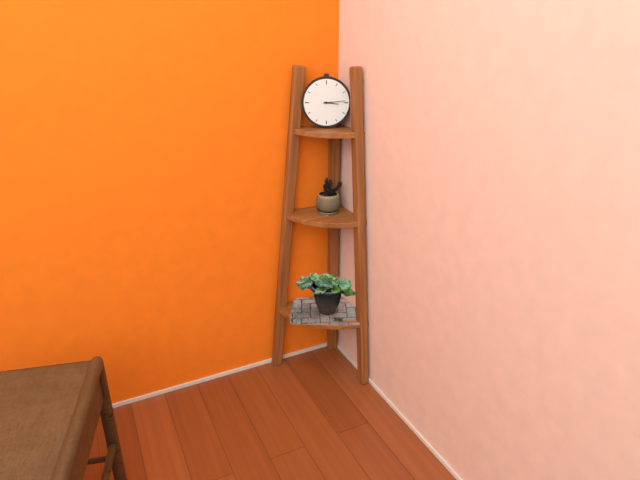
3:14
